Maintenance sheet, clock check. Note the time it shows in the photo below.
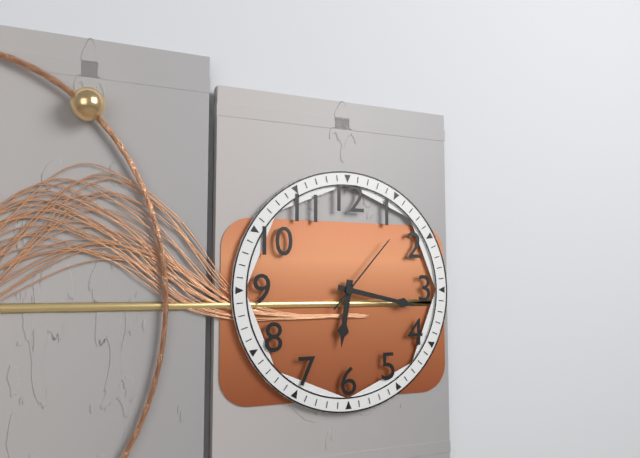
6:17:07
